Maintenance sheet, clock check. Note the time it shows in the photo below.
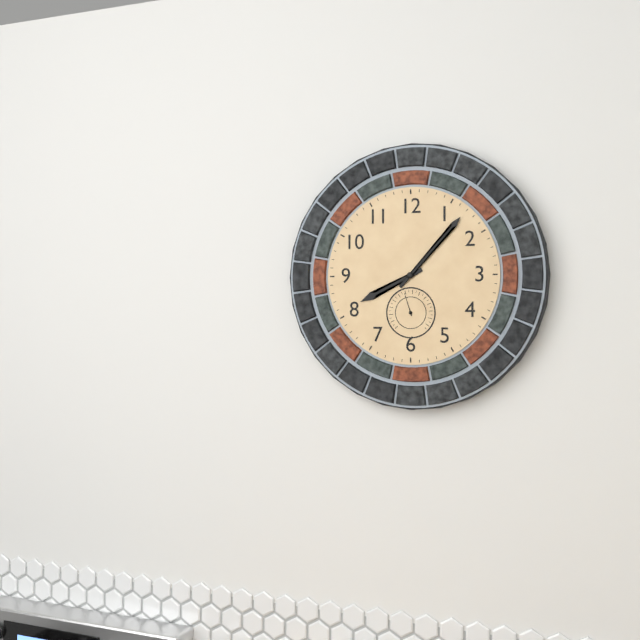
8:07
